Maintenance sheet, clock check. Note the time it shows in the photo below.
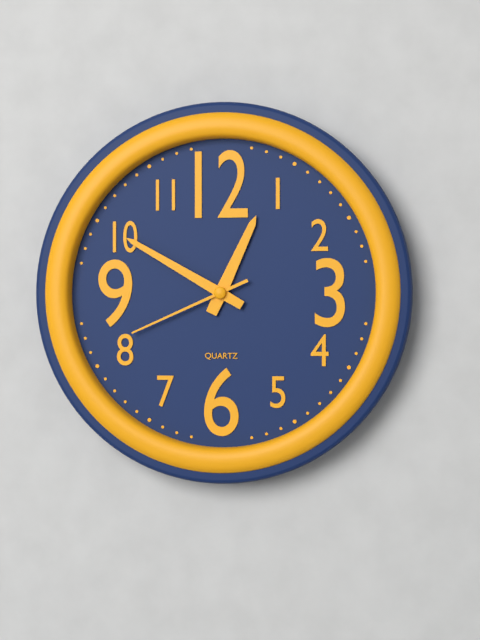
12:50:41
